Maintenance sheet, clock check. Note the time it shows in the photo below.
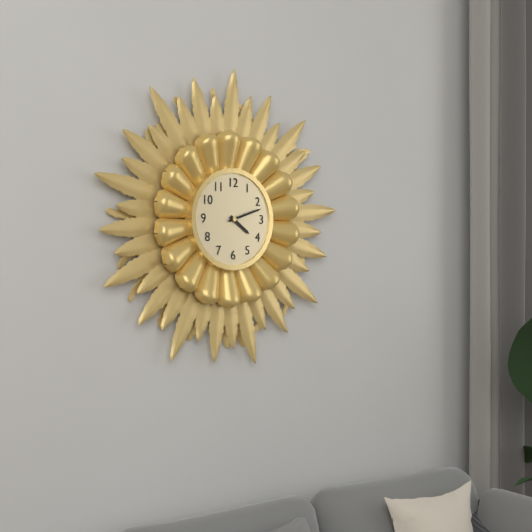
4:12
